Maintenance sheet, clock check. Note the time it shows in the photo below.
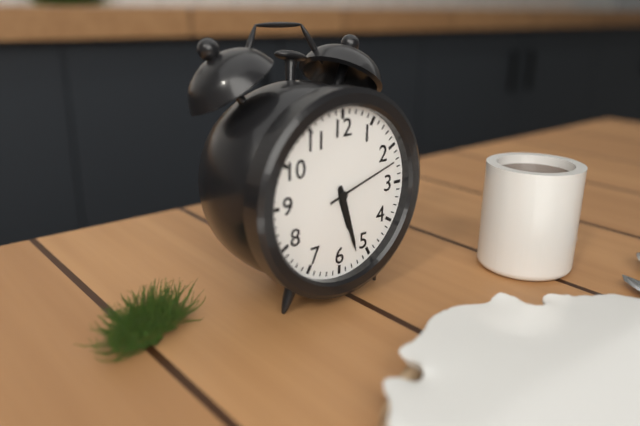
5:27:12
